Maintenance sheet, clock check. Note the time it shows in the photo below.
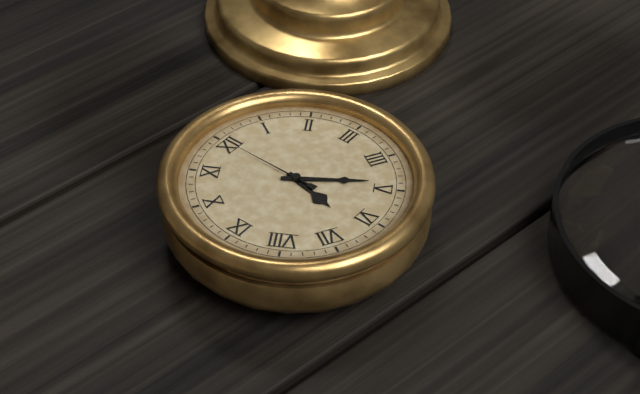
6:24:00
